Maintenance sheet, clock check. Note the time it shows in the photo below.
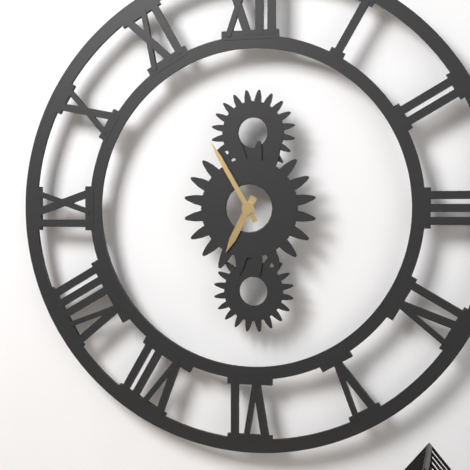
6:55
